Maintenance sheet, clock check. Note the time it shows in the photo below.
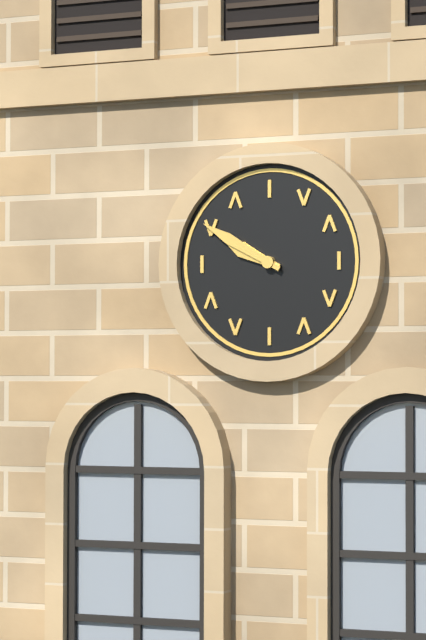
9:50
